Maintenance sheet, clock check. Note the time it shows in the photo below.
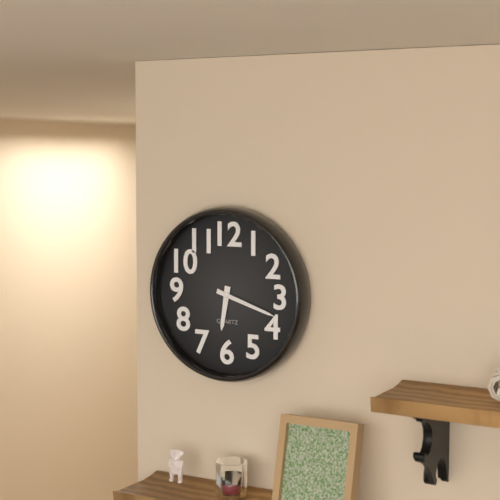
6:18
